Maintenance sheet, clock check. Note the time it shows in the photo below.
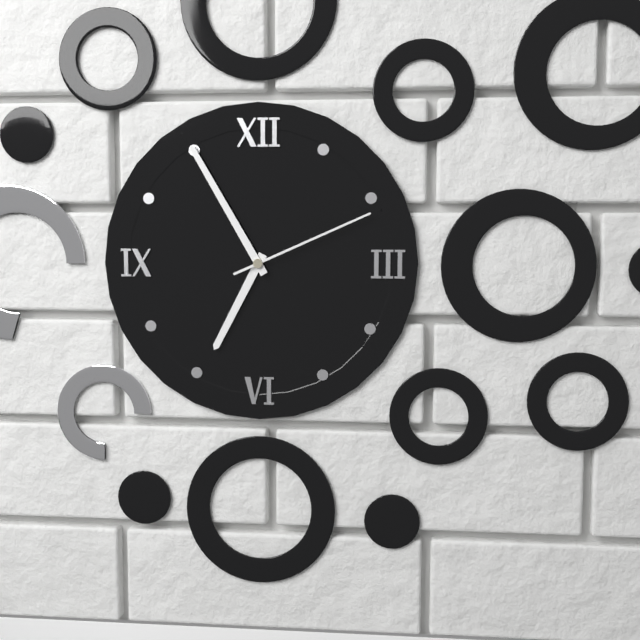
6:55:11
